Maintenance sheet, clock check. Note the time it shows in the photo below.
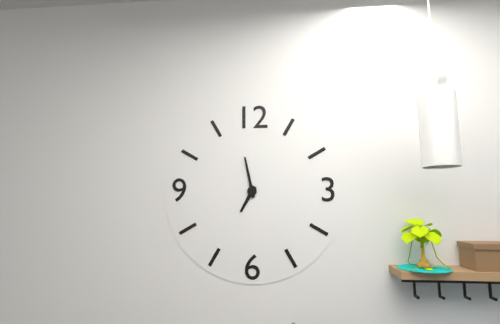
6:58
